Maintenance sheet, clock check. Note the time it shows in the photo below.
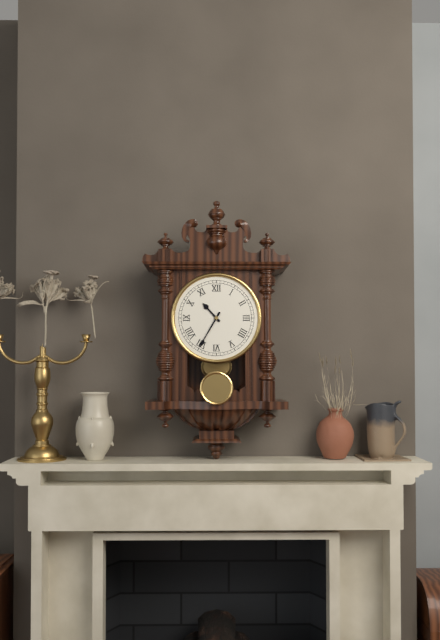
10:35
